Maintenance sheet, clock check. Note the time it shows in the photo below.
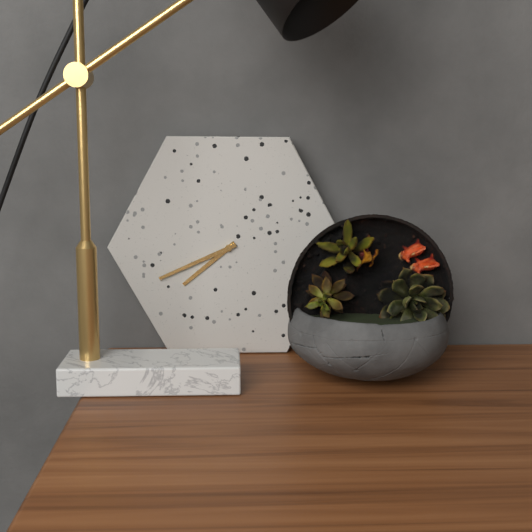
7:41
